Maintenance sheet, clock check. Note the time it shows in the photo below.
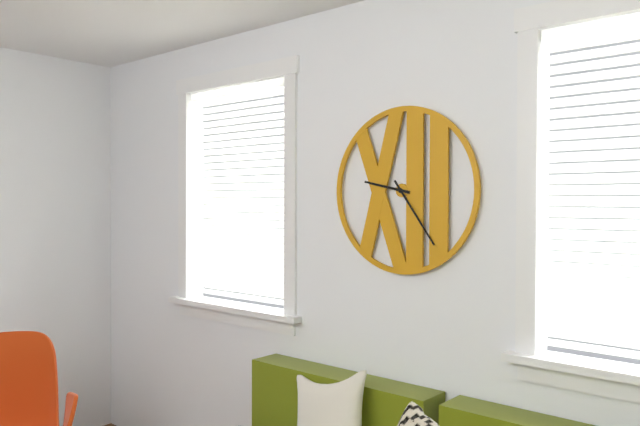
9:24
